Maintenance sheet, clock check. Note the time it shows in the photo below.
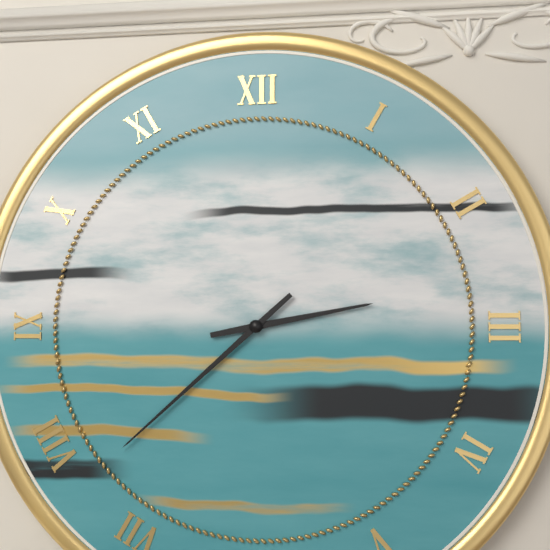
2:38
